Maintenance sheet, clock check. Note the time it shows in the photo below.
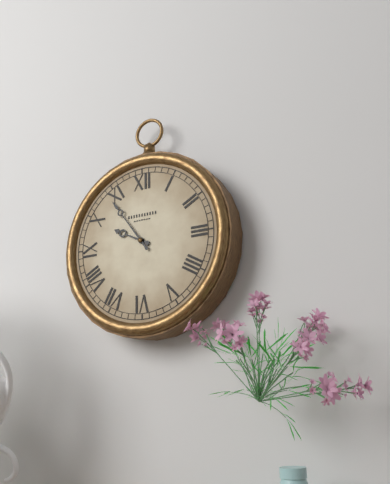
9:54
